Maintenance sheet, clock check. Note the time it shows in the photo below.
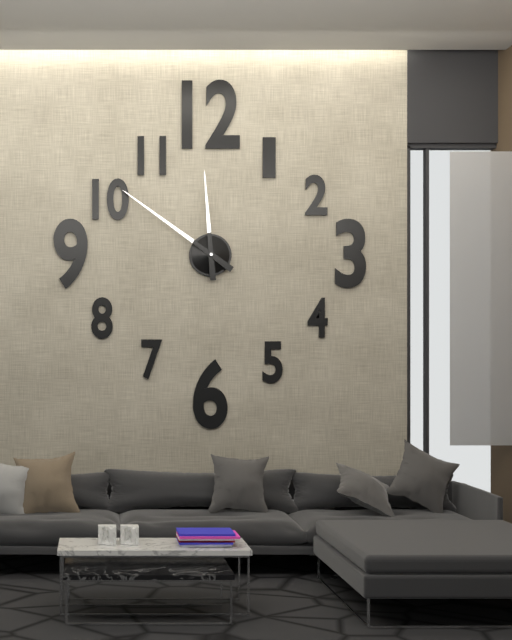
11:51
